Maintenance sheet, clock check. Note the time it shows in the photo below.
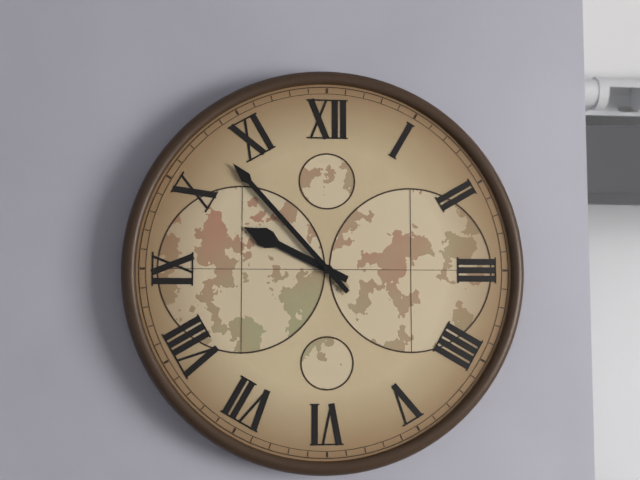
9:53
